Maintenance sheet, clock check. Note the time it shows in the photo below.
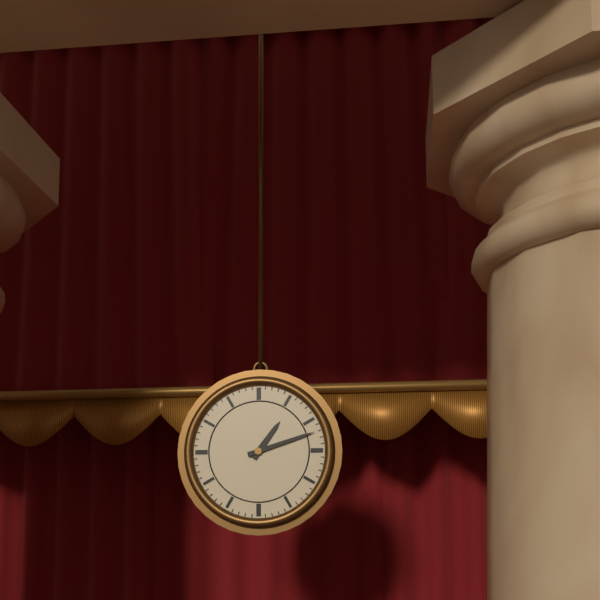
1:12
